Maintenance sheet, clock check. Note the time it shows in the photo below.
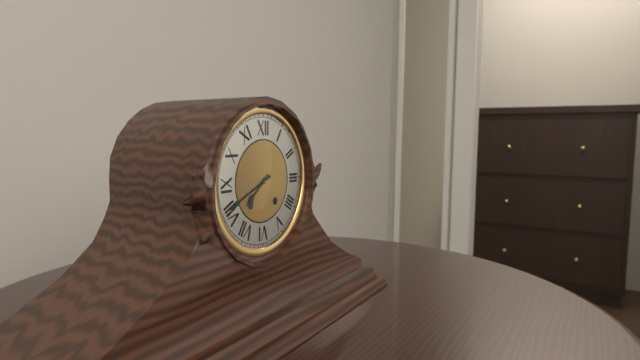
7:41
